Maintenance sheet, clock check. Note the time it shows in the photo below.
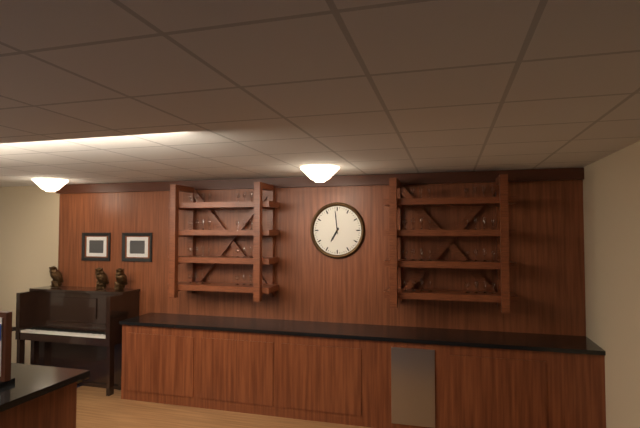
6:59
